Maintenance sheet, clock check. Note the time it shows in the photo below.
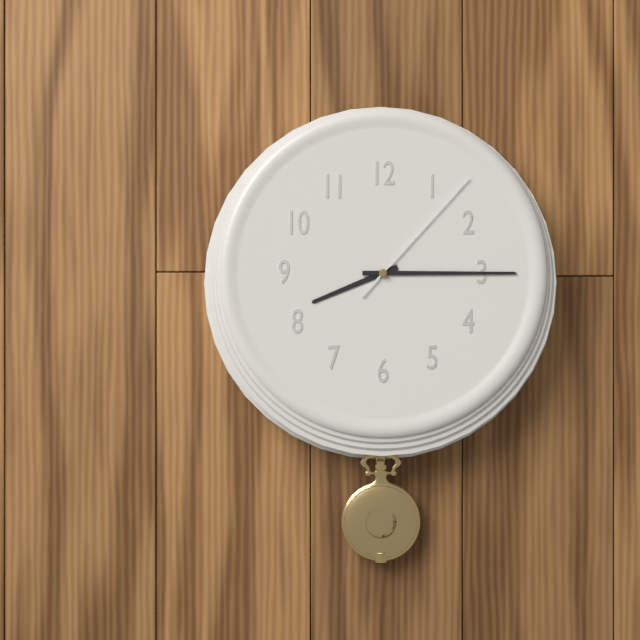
8:15:07
